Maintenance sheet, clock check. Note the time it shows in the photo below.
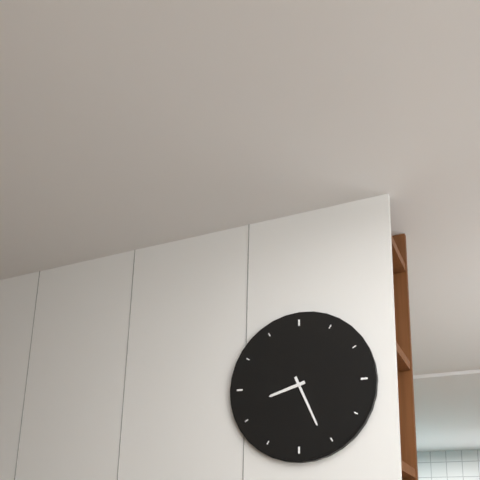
8:26
